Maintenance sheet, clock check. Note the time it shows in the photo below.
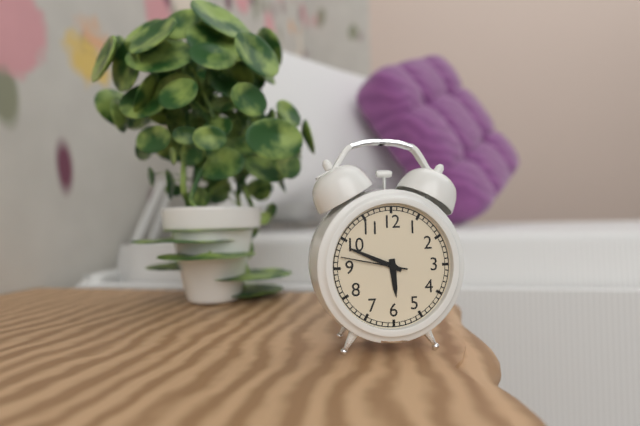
5:49:47
